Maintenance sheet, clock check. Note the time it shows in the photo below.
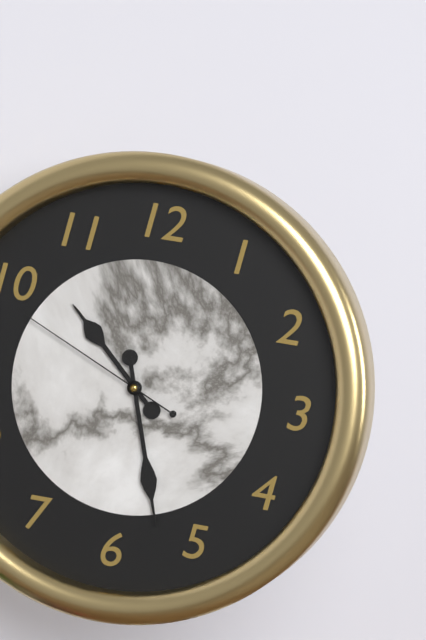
10:27:49
